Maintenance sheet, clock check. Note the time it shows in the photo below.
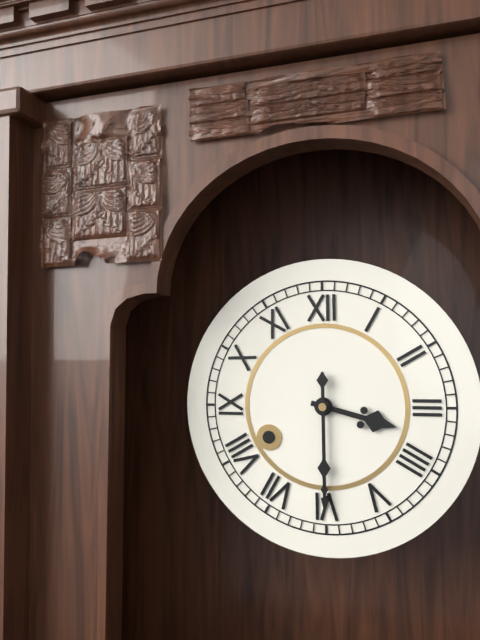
3:30
